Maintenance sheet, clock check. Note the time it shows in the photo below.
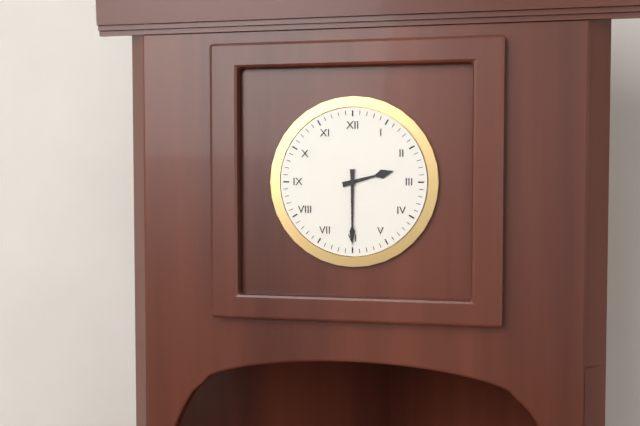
2:30
